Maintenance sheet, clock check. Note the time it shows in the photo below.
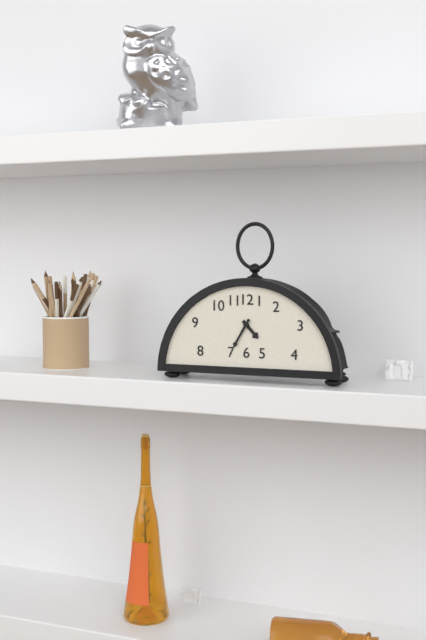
4:35
